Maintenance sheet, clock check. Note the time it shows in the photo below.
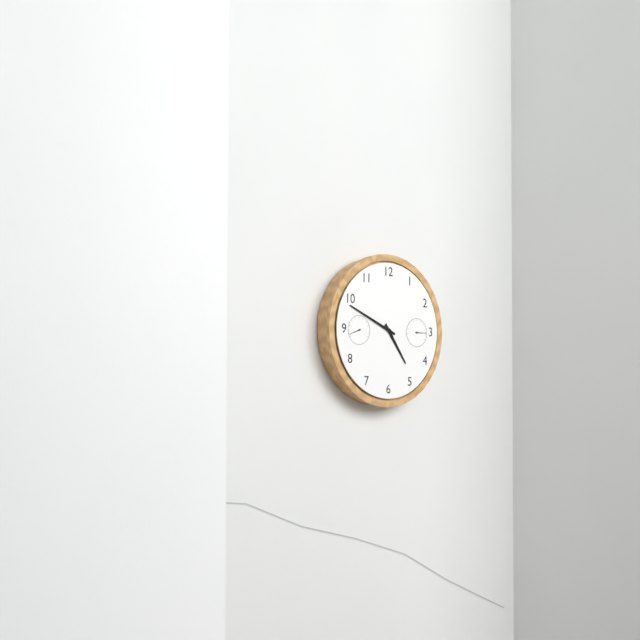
4:49
